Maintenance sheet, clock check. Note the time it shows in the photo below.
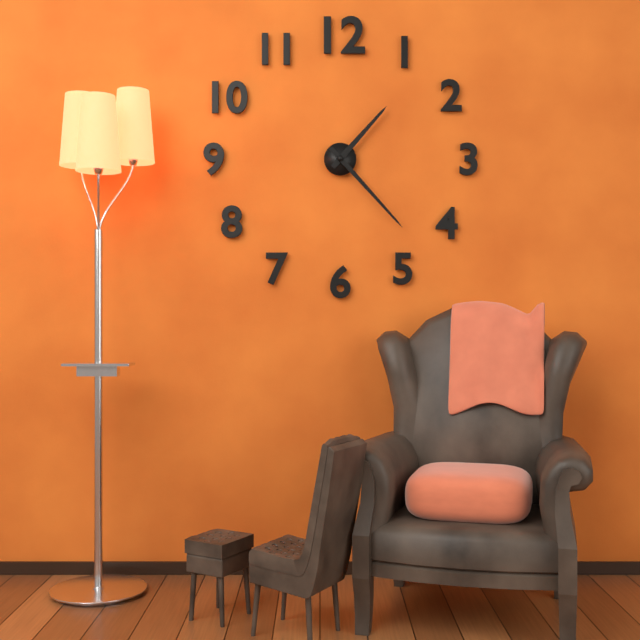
1:23
